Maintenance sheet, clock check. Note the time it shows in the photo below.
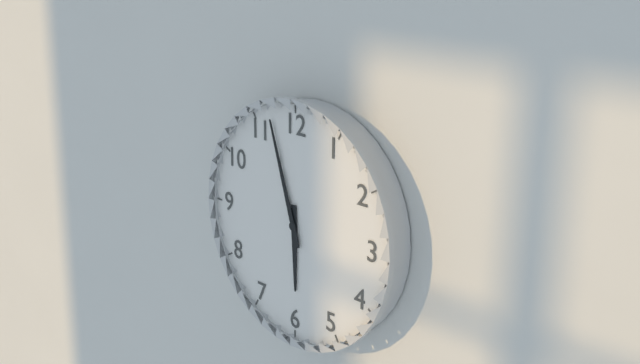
5:57
